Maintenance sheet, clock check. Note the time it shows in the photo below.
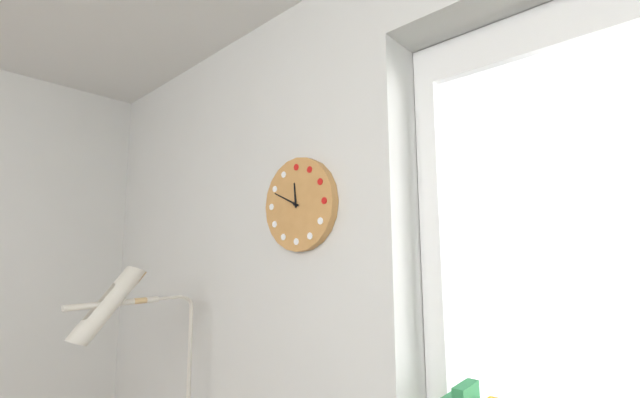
11:49
